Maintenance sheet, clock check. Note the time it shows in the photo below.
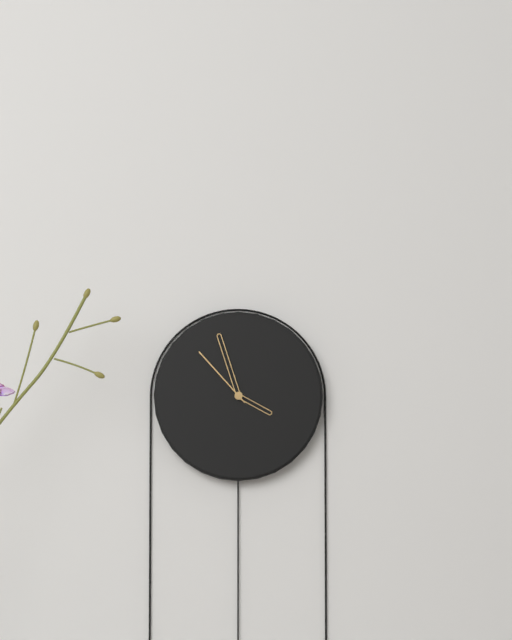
3:57:53
